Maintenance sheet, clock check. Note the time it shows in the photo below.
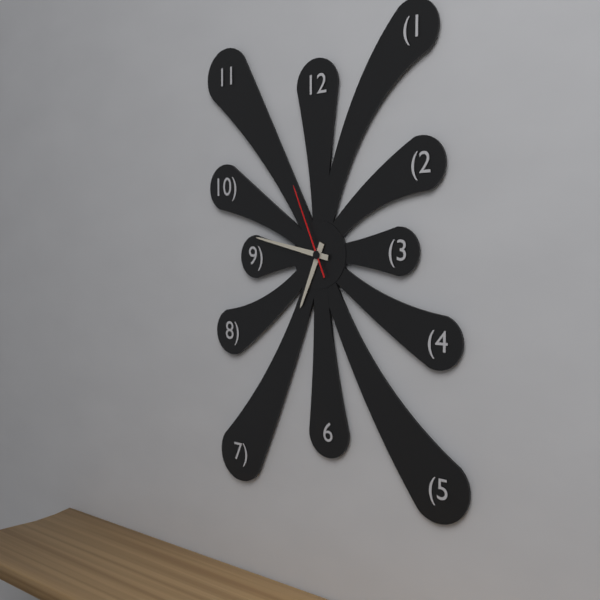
6:47:56
